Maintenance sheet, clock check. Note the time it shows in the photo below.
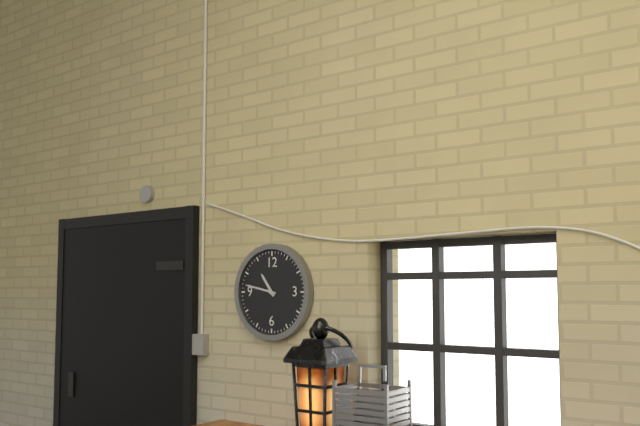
10:47
